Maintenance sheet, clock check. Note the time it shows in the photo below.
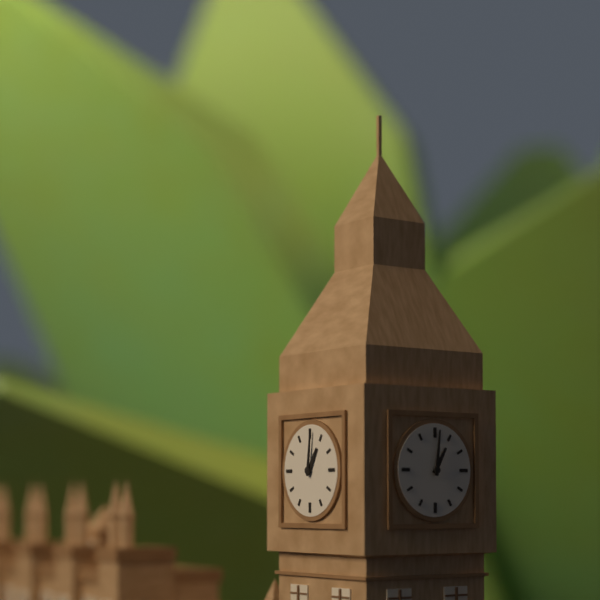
1:01
